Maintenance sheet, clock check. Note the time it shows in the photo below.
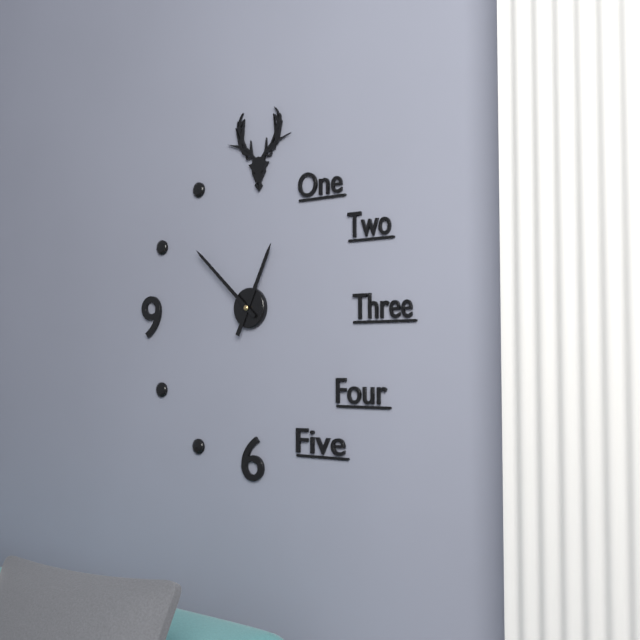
12:52
